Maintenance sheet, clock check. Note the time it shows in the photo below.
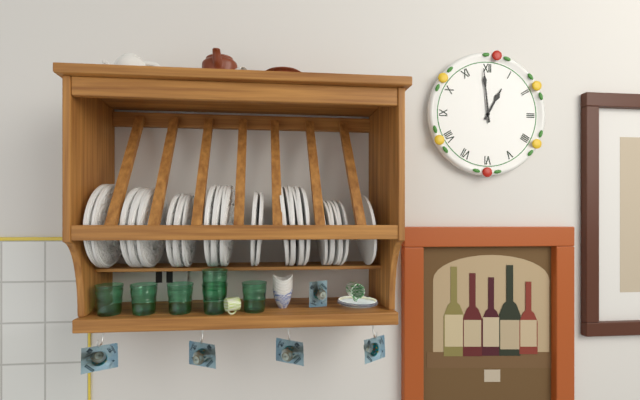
12:59
